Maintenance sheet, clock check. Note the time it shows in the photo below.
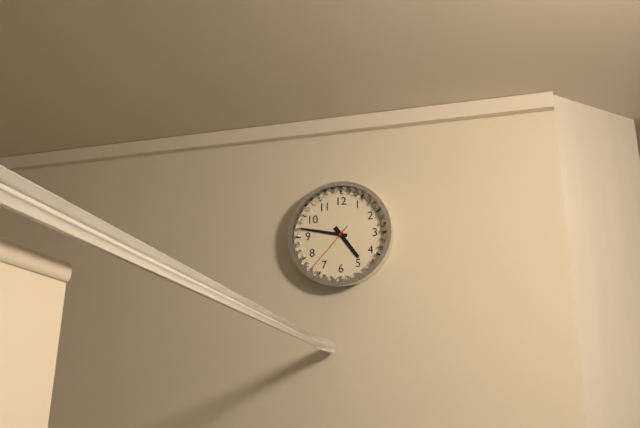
4:47:37
